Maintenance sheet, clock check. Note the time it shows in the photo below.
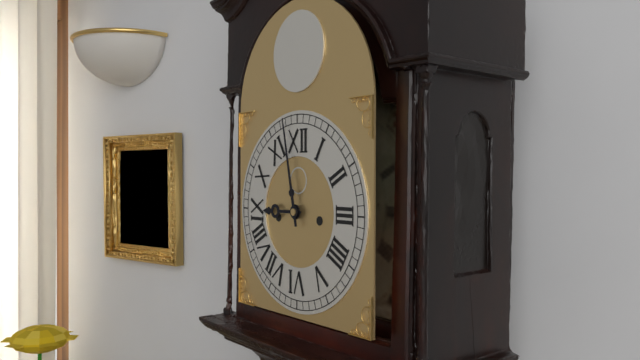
8:58
